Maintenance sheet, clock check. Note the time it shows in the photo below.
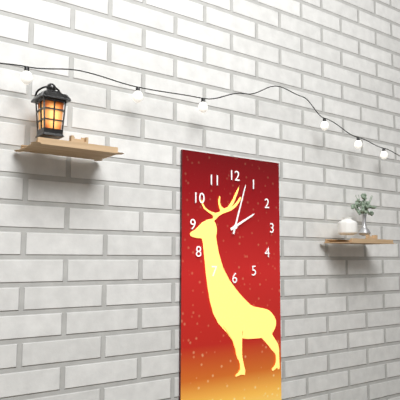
2:03
